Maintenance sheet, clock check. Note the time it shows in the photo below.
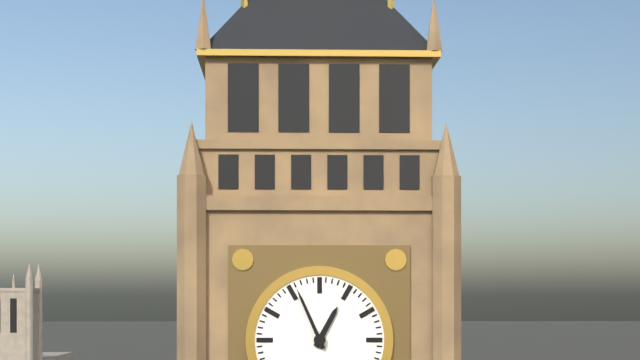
12:56
